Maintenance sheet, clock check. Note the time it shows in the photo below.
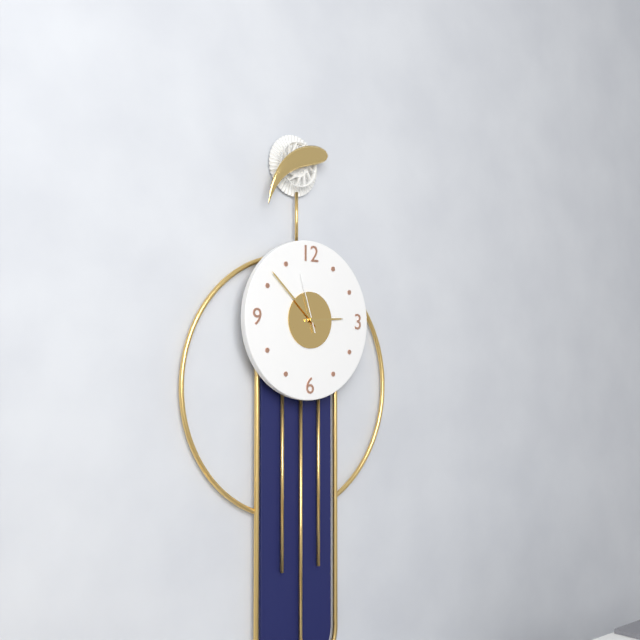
2:52:57
